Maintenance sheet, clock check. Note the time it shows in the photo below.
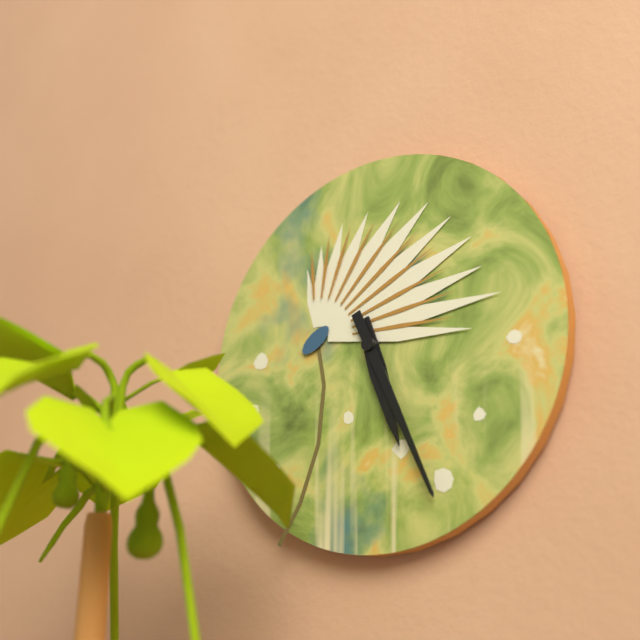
5:26
